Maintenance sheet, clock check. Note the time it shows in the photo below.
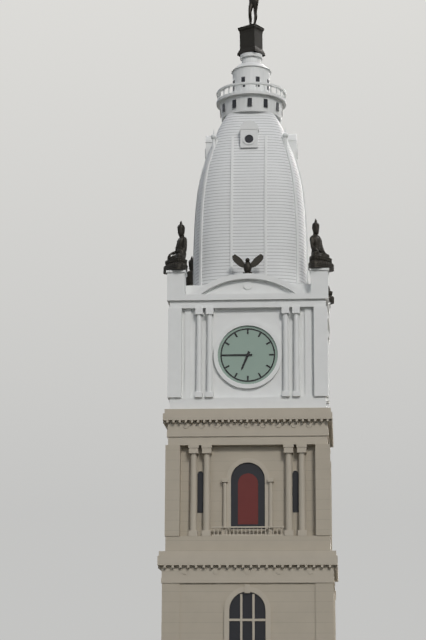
6:45
